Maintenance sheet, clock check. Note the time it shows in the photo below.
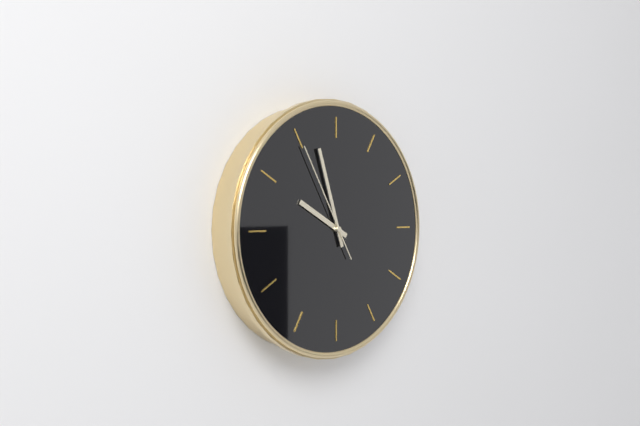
9:57:55
